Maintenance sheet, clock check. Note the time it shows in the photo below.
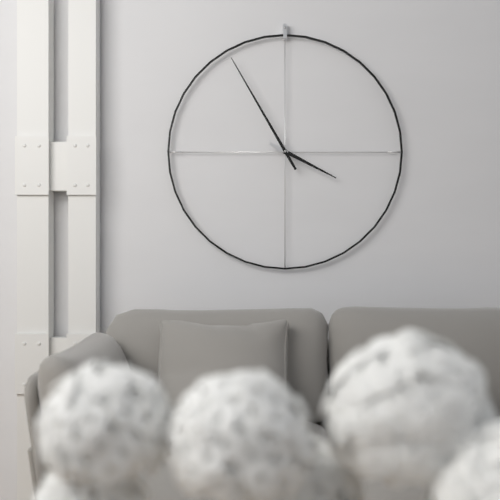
3:55
